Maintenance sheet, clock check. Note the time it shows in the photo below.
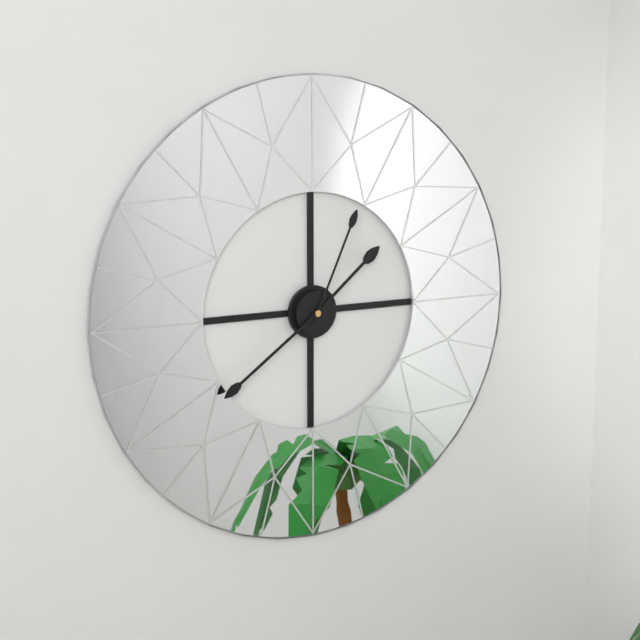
1:39:04
